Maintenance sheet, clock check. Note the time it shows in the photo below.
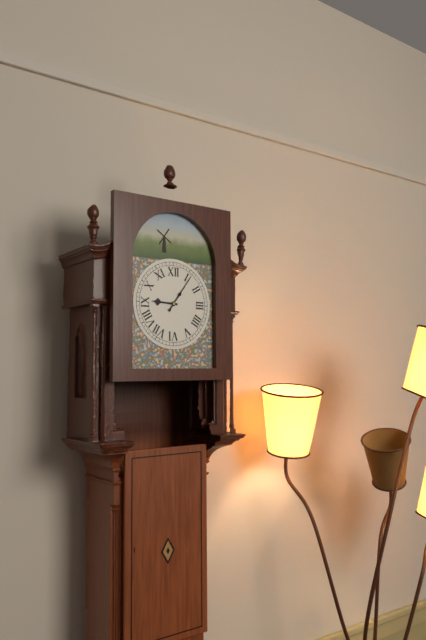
9:06
